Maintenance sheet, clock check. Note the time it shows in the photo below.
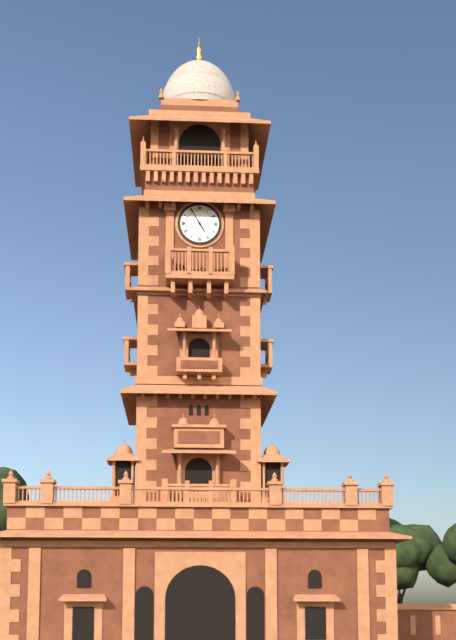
4:55
